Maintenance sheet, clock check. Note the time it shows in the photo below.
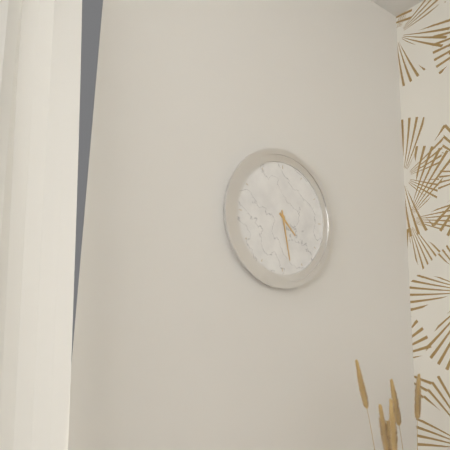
4:28
